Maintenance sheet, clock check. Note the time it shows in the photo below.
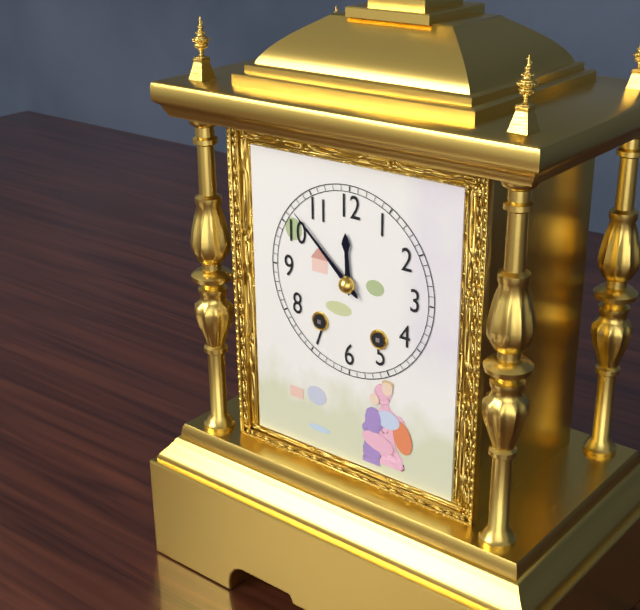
11:52
